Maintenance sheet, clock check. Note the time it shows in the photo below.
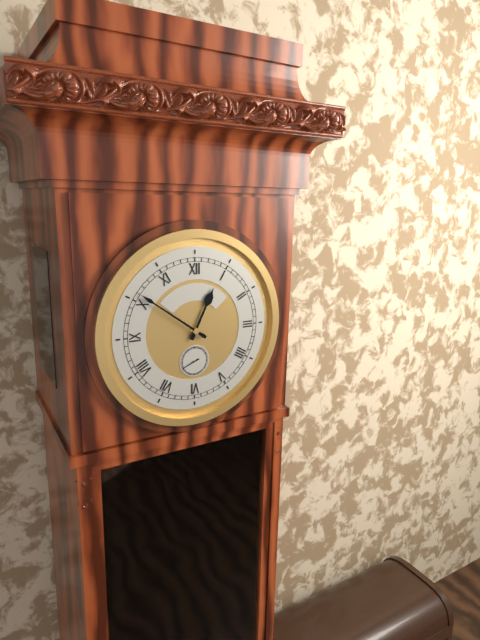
12:51
